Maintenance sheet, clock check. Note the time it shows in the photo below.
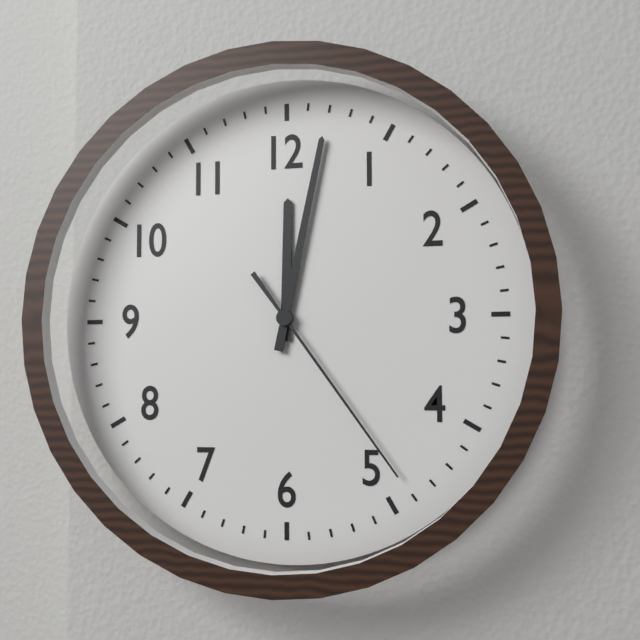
12:02:24
